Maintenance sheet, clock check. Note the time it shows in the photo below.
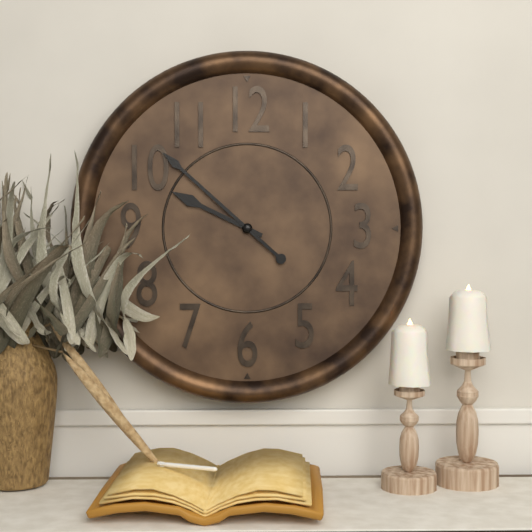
9:52
